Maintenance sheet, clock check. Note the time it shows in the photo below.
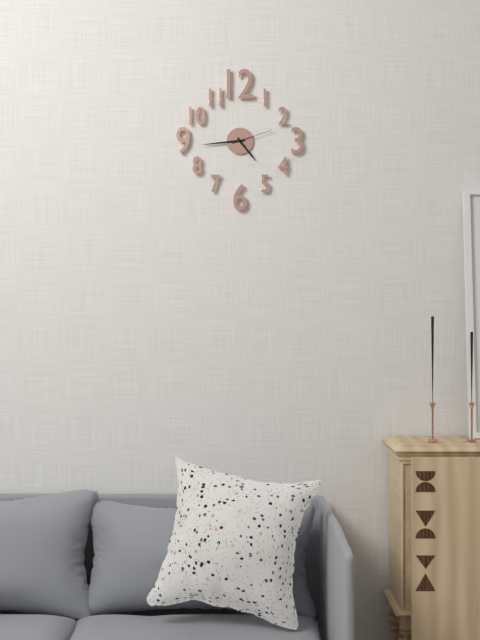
4:44
